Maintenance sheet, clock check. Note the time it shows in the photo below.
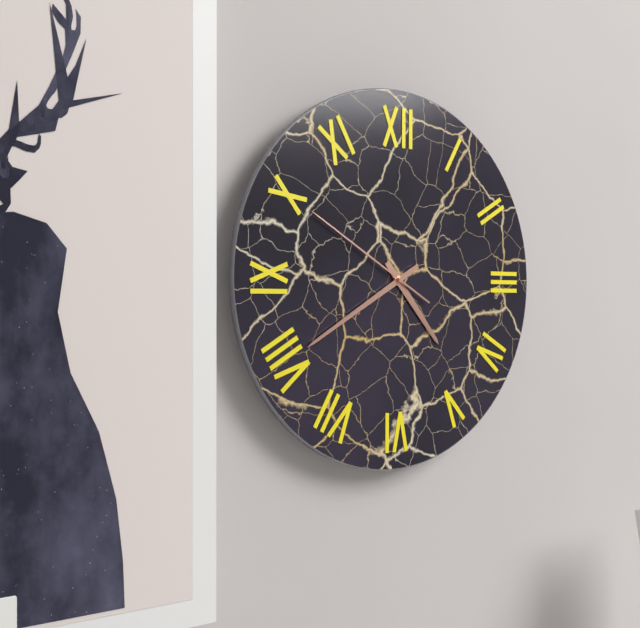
4:40:50
